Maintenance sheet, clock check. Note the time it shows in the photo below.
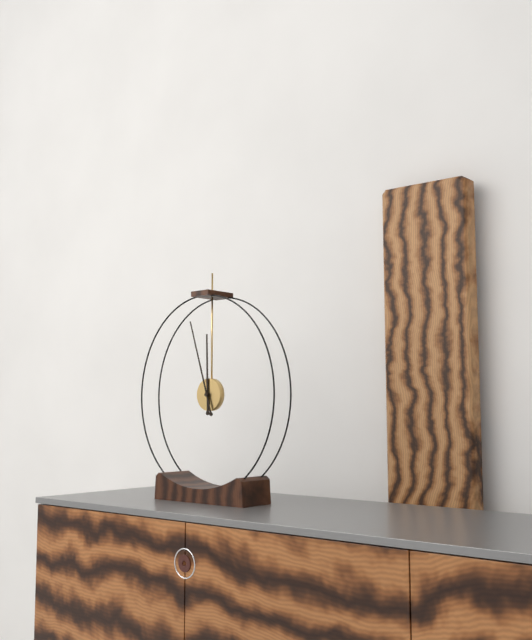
11:57
